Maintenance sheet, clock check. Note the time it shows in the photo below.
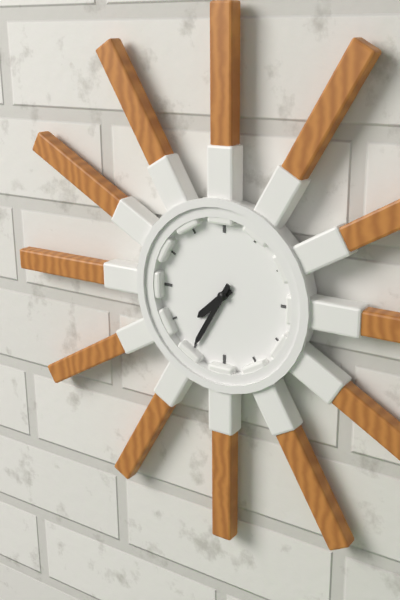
7:35
